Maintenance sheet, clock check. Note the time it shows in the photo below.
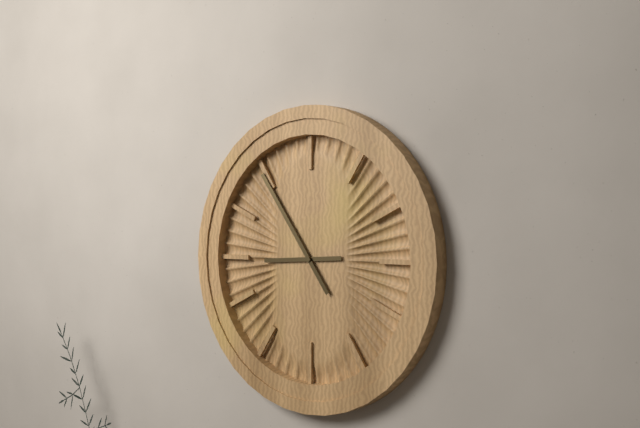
8:54
